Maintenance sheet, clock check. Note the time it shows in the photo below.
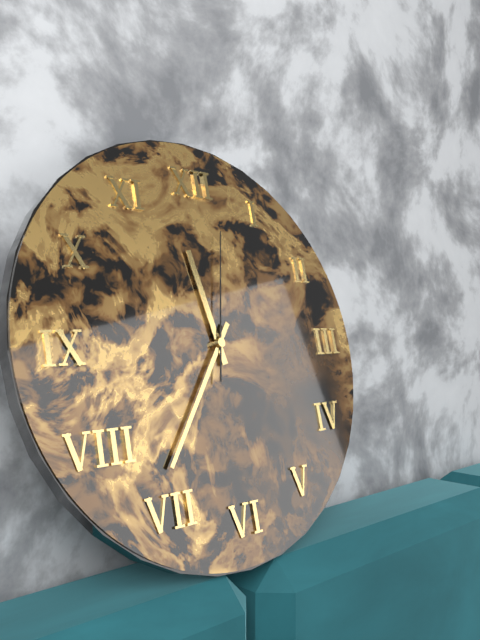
11:36:02
